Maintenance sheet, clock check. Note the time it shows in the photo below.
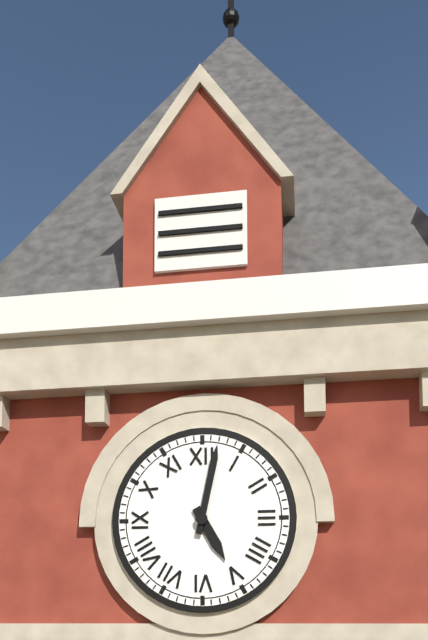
5:02
